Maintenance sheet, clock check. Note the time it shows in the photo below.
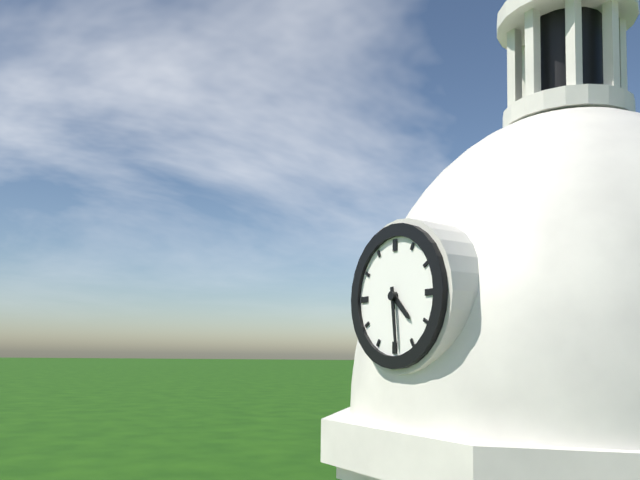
4:29
